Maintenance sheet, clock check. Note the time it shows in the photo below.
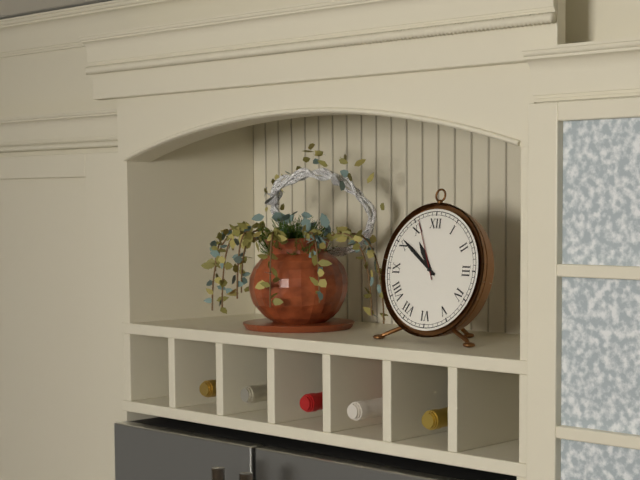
10:51:56
